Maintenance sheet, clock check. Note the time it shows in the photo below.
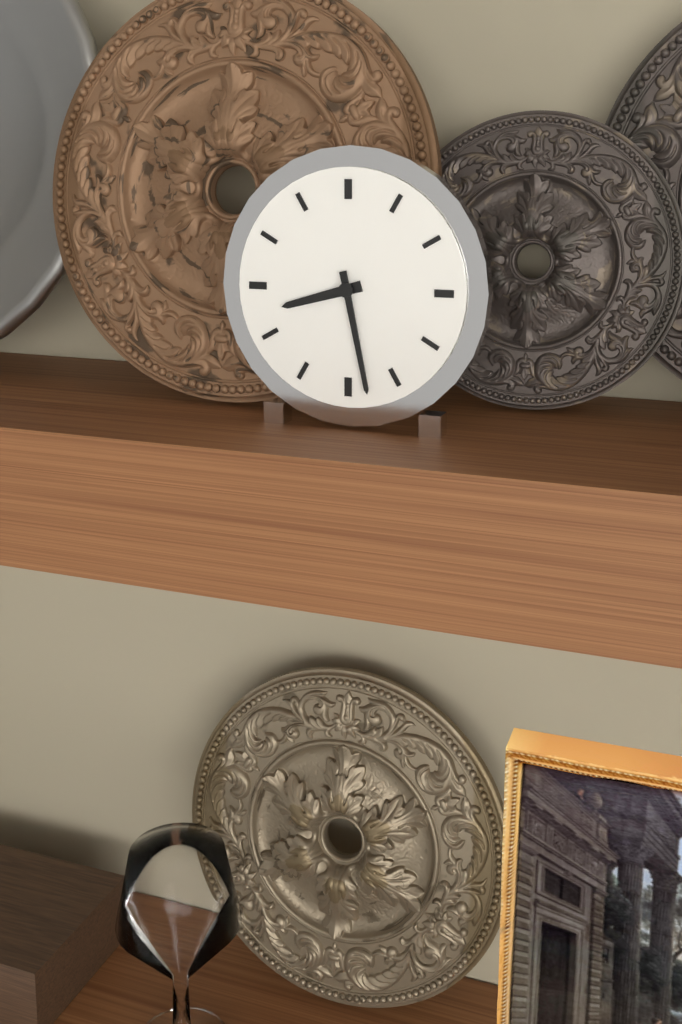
8:28
